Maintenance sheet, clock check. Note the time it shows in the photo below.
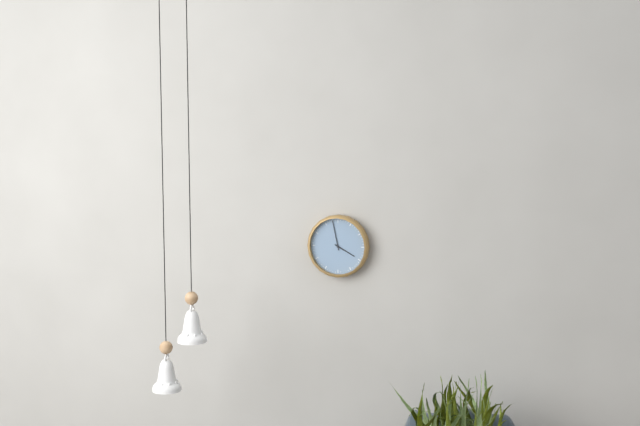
3:58
